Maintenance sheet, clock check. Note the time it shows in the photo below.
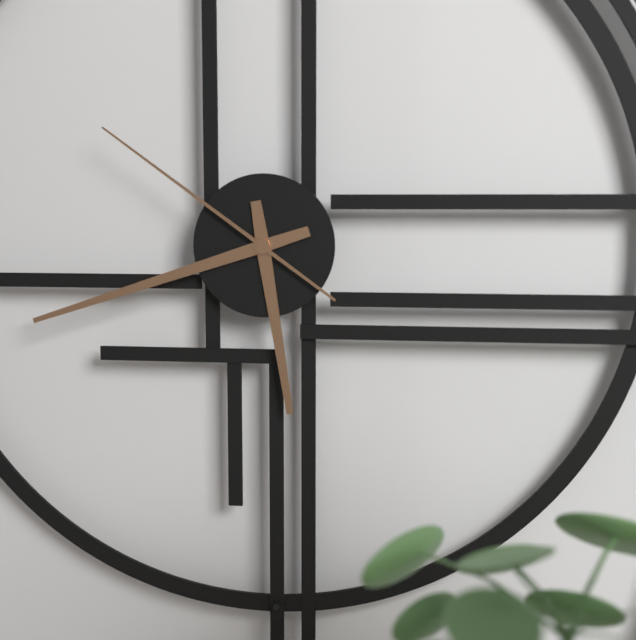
5:42:51
